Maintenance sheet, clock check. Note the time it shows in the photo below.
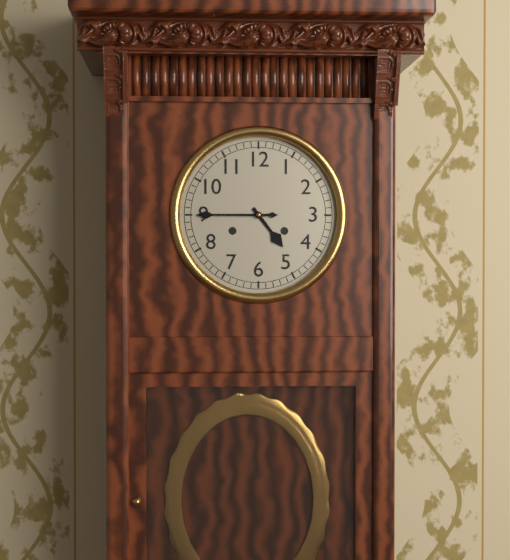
4:45
